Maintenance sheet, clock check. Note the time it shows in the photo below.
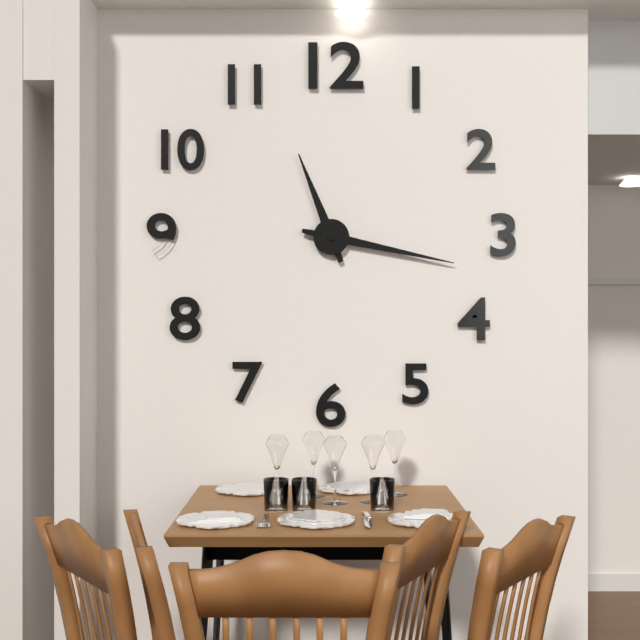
11:17
